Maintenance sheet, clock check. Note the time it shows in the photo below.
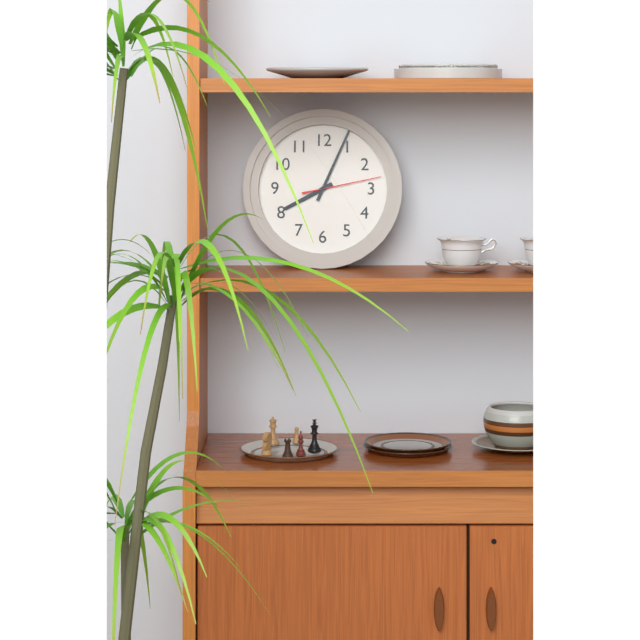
8:04:13
